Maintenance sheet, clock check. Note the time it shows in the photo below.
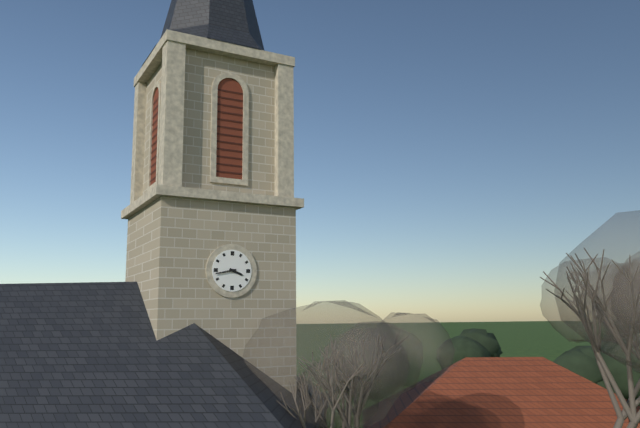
3:43
